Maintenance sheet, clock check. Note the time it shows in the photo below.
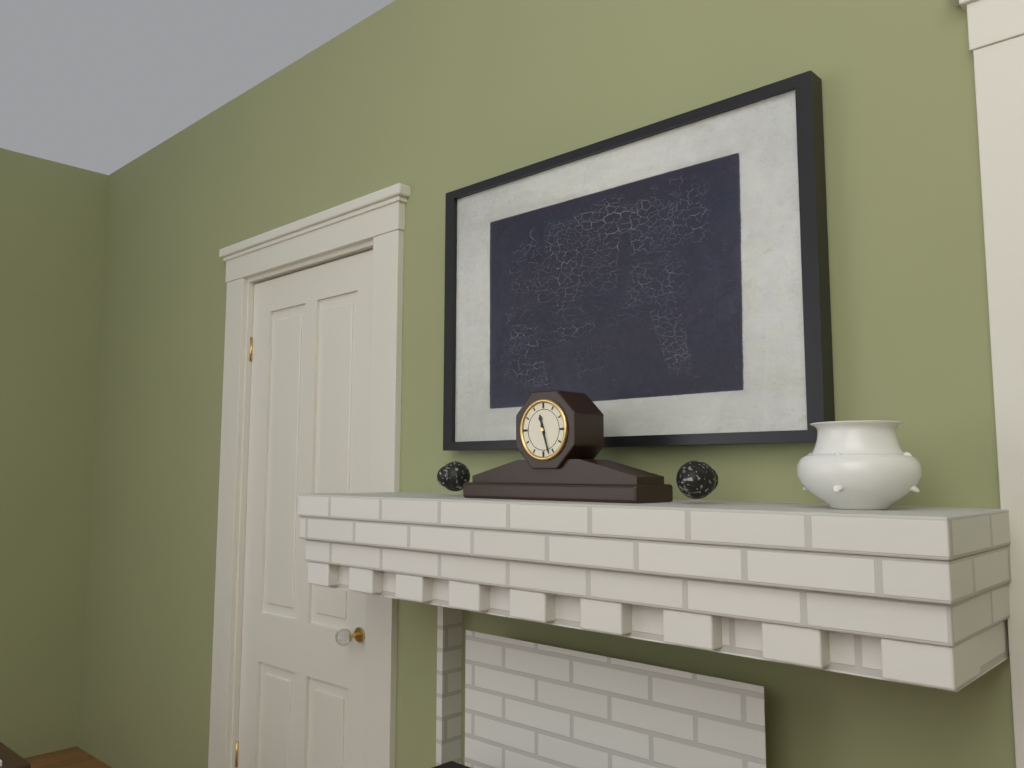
11:27
